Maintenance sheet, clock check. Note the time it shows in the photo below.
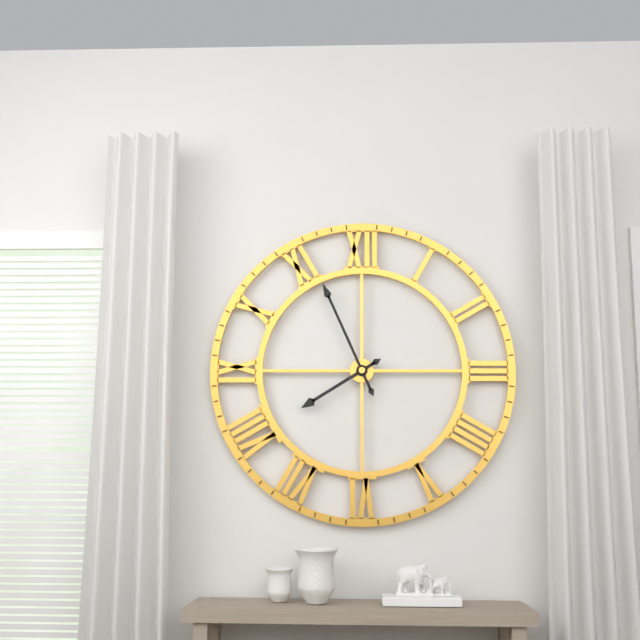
7:56
